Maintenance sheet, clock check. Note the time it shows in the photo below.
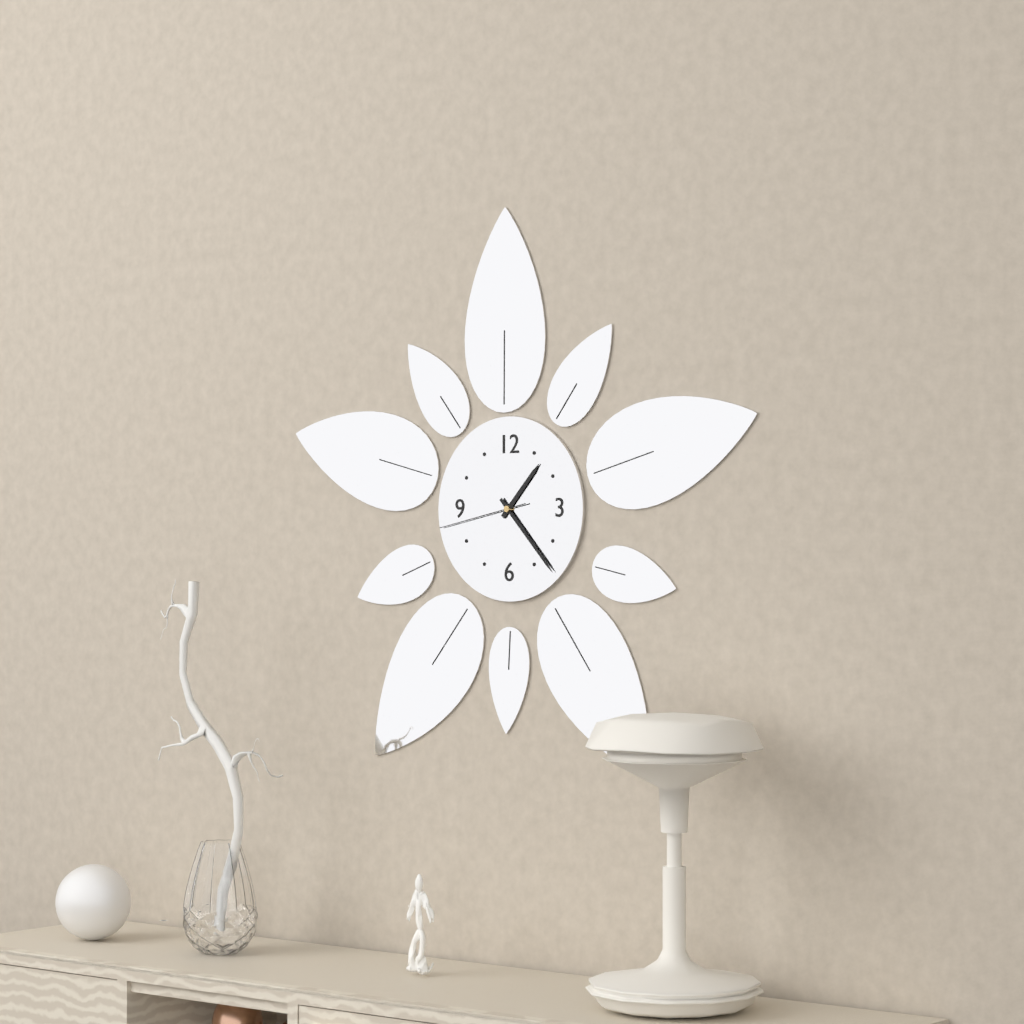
1:23:43
